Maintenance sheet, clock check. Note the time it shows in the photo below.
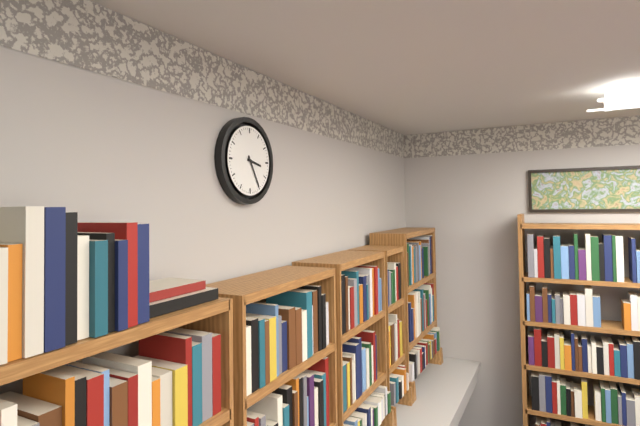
3:25
